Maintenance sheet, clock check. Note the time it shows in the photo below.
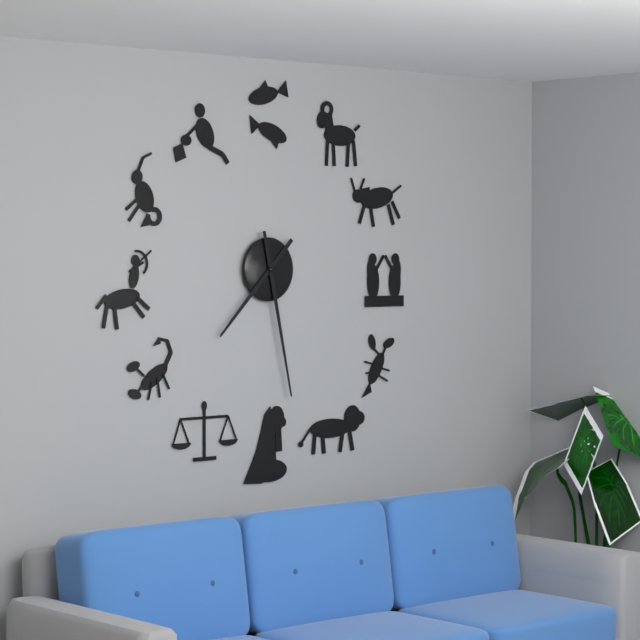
7:28
